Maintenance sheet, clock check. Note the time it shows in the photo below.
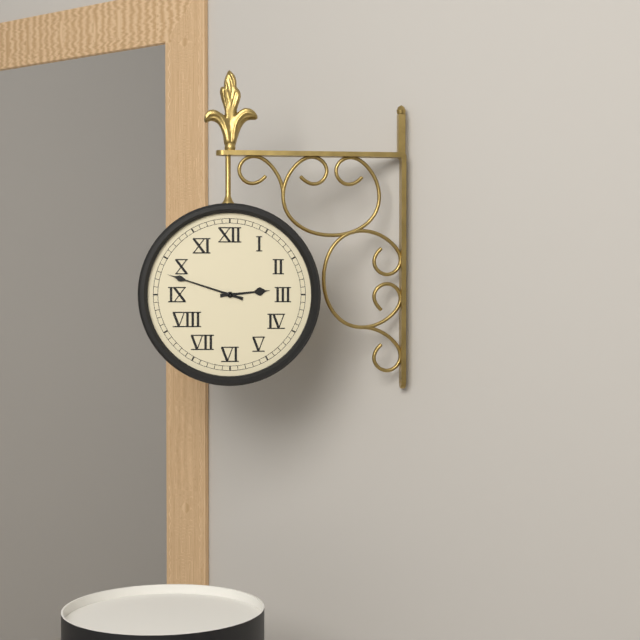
2:48
